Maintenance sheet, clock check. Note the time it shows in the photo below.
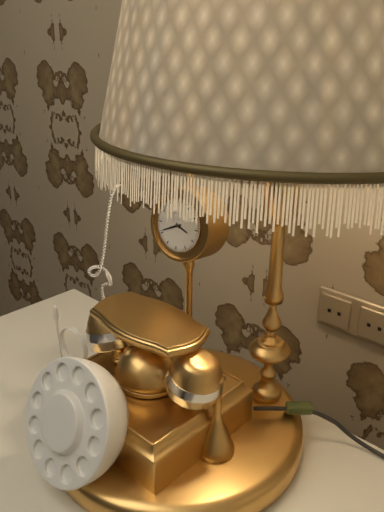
3:41
